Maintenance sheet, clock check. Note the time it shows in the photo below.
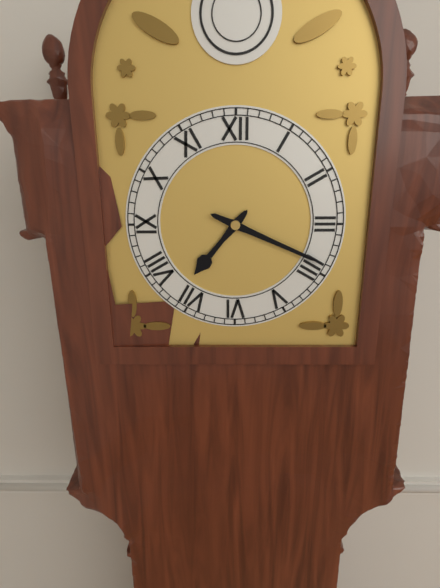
7:19
